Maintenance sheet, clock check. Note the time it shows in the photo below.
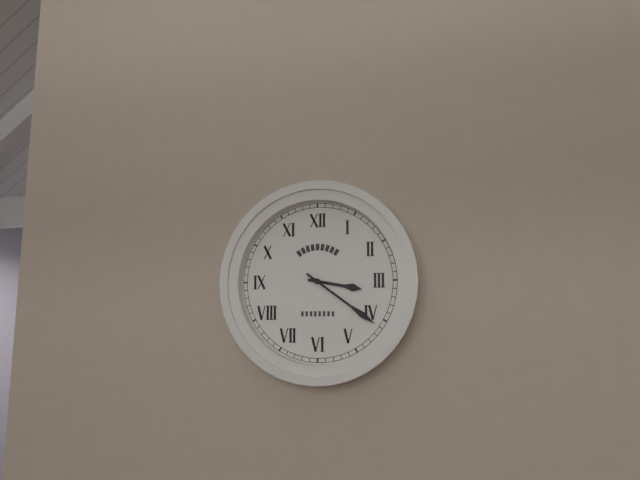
3:21
